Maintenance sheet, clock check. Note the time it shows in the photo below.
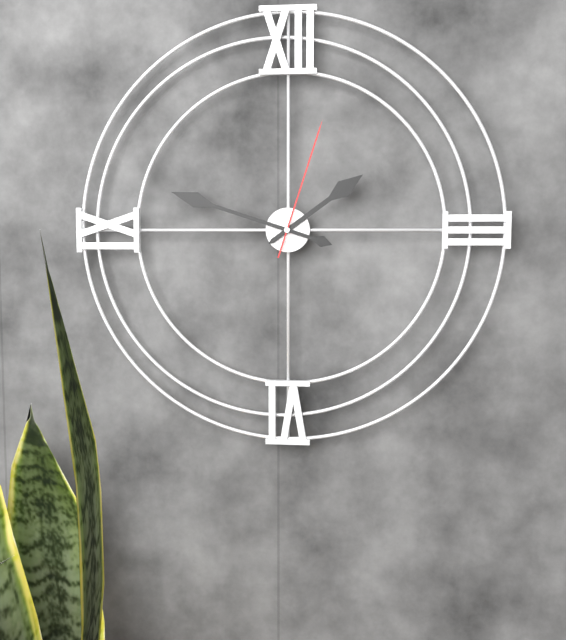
1:48:03
